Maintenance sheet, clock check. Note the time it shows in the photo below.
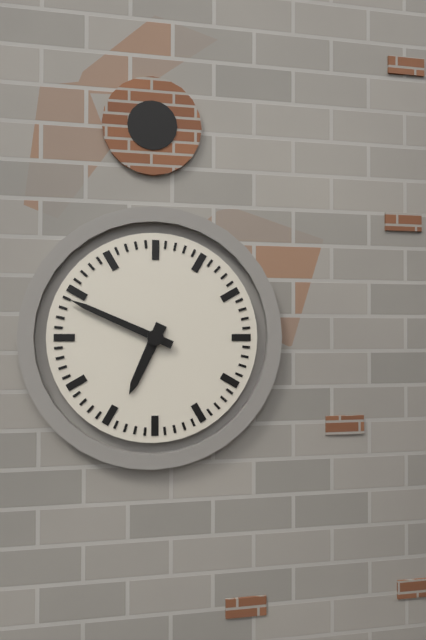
6:49
